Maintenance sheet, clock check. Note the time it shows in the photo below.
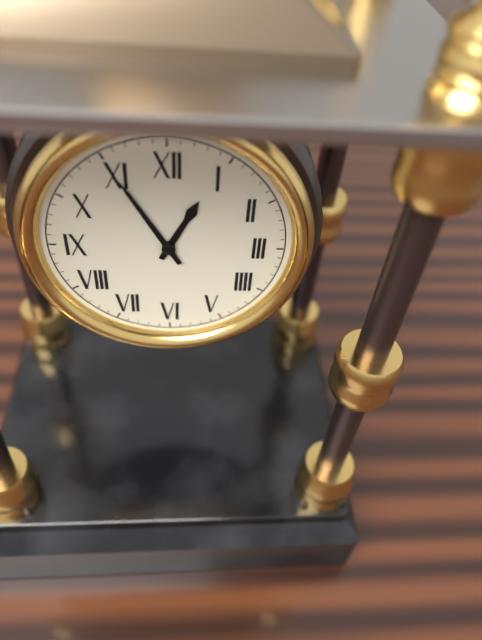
12:55
